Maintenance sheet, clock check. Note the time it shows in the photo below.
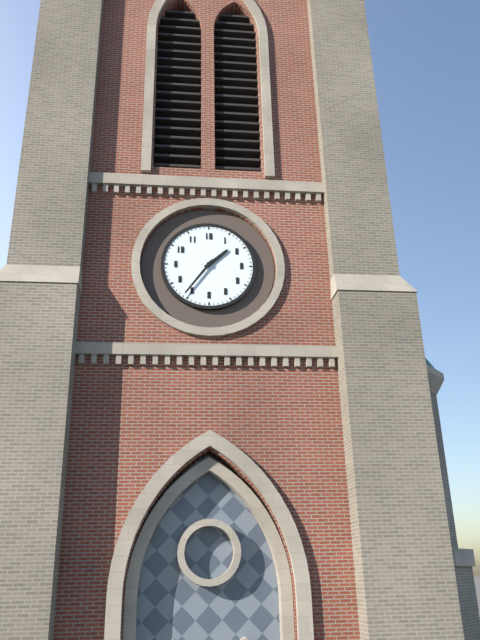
1:36
